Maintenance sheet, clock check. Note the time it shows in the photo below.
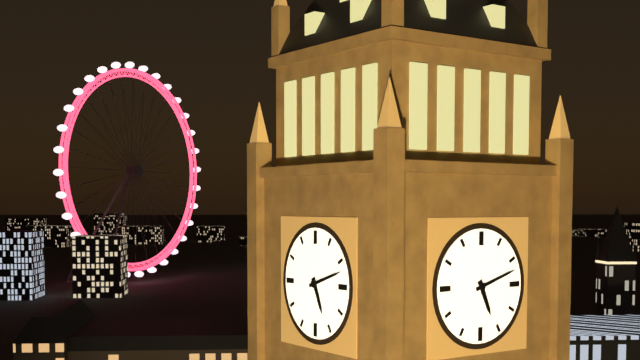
5:12
